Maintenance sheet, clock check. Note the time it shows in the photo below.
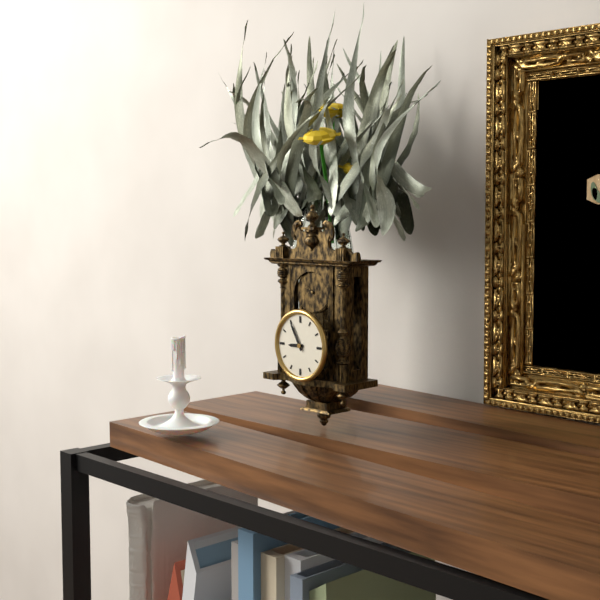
8:55
